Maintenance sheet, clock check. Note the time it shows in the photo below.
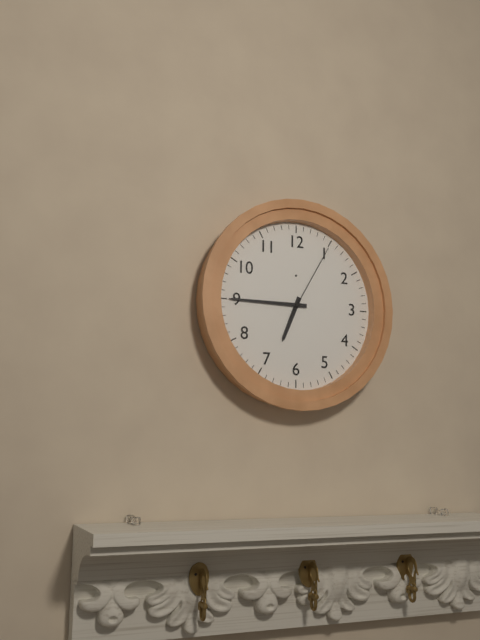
6:45:05
